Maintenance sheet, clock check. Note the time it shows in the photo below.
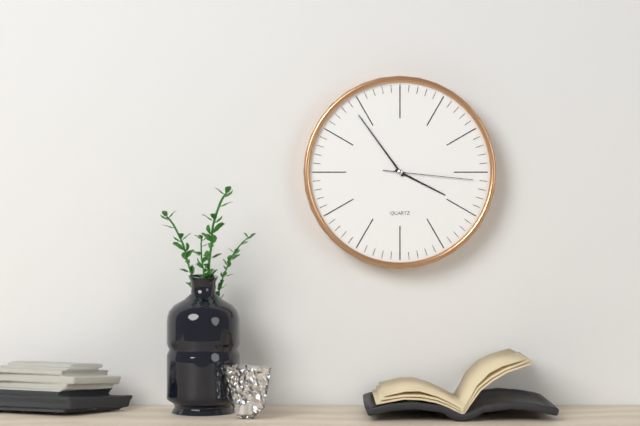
3:54:16
